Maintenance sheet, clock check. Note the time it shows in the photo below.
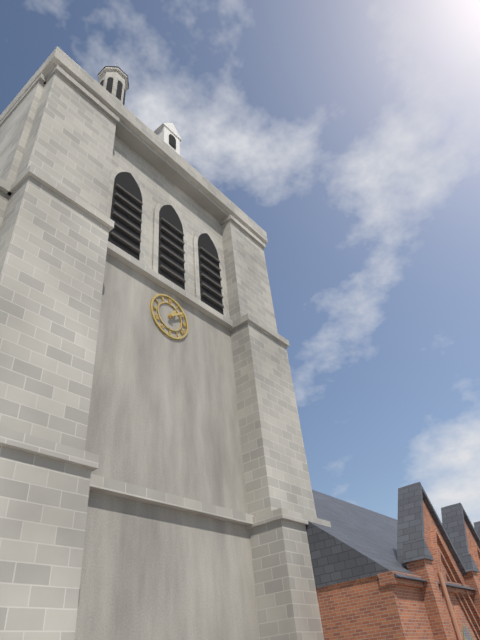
1:09
